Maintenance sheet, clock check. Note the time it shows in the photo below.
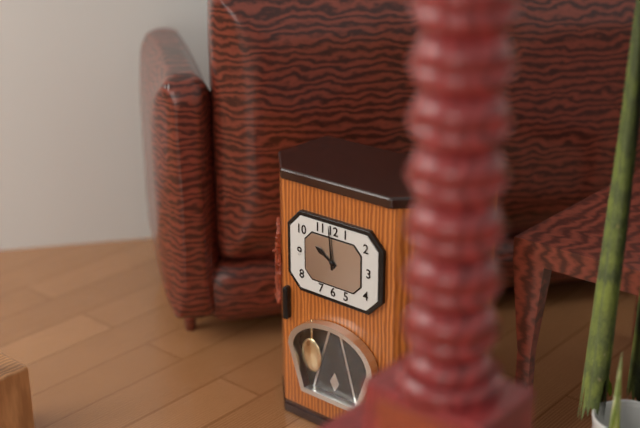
9:59
